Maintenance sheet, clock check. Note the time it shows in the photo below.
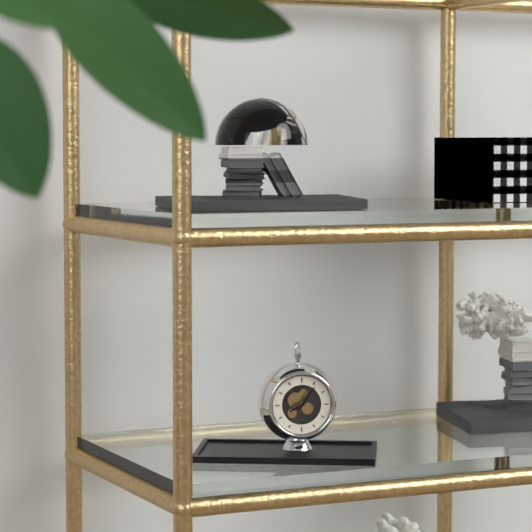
8:06
